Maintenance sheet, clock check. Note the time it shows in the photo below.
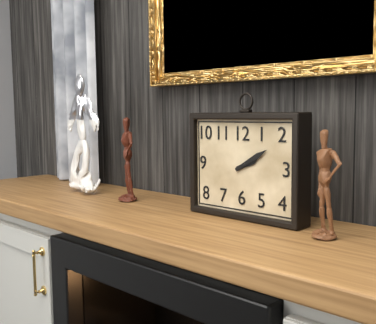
2:10
